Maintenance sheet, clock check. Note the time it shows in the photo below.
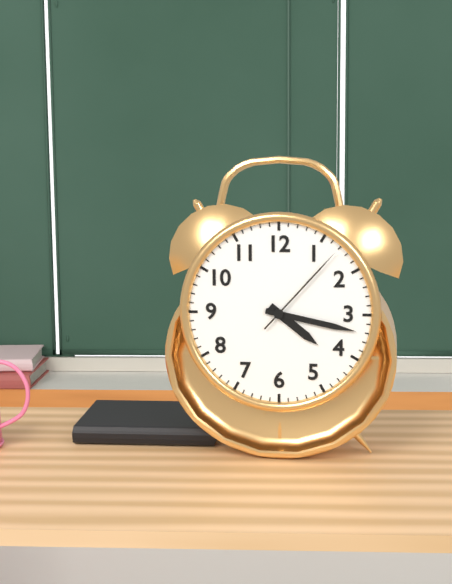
4:17:07
